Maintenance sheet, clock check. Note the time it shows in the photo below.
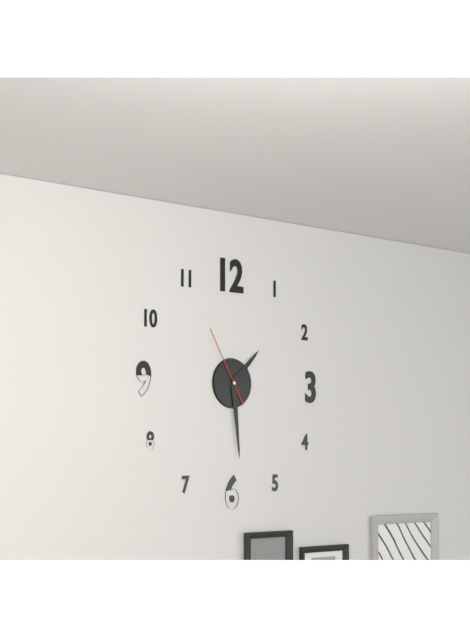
1:29:55
